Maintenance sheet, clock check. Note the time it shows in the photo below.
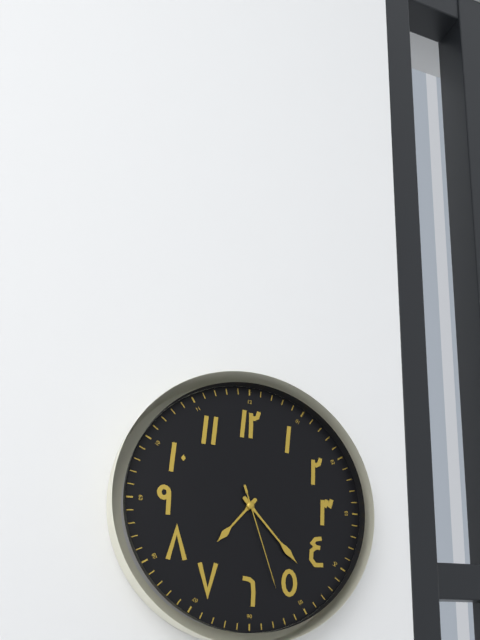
7:23:27
